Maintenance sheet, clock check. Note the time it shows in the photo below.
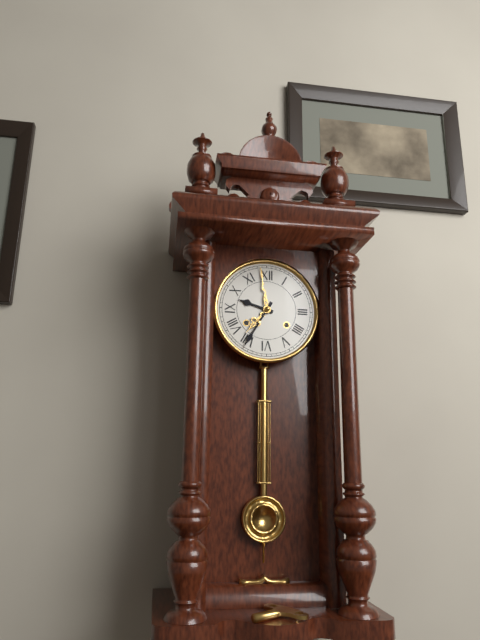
9:35
